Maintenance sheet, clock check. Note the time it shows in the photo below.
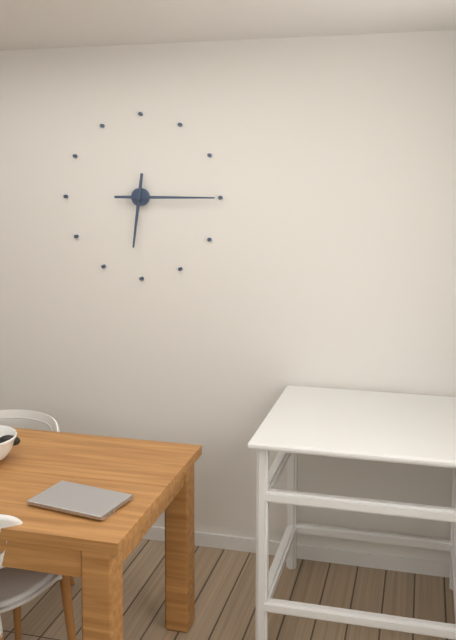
6:15
